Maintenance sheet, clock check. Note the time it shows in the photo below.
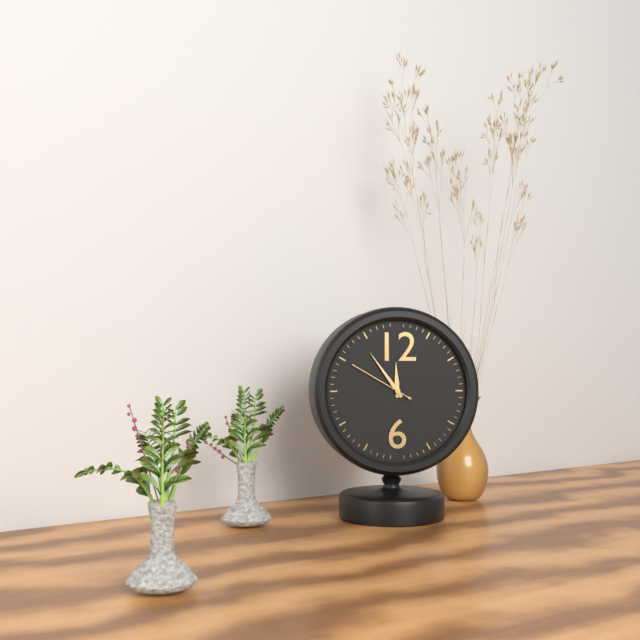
11:54:50
